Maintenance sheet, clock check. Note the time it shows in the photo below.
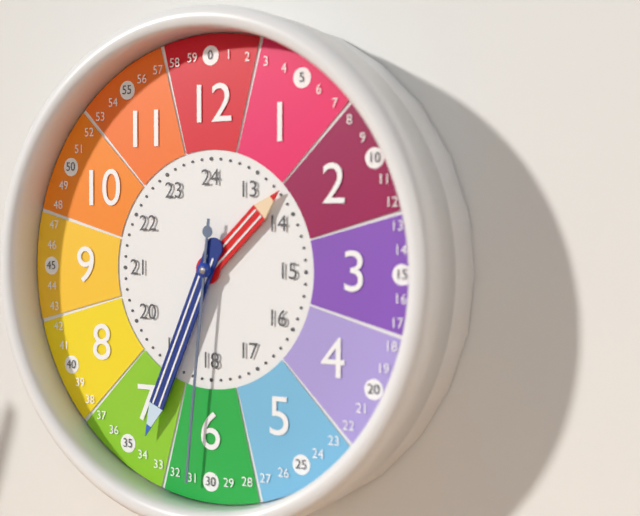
1:34:31
